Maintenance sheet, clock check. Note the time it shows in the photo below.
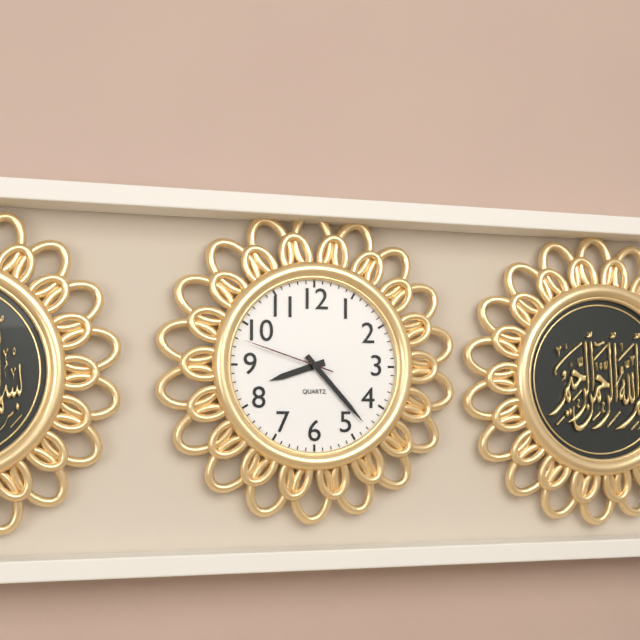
8:23:48
